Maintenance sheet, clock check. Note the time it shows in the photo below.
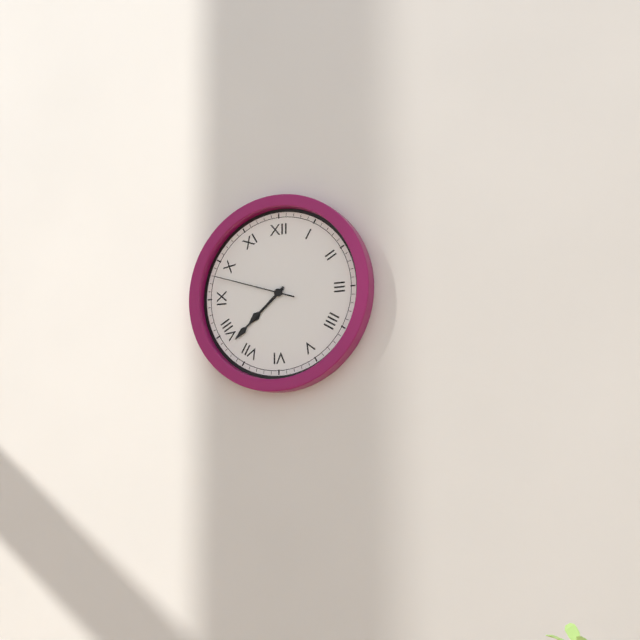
7:38:48
